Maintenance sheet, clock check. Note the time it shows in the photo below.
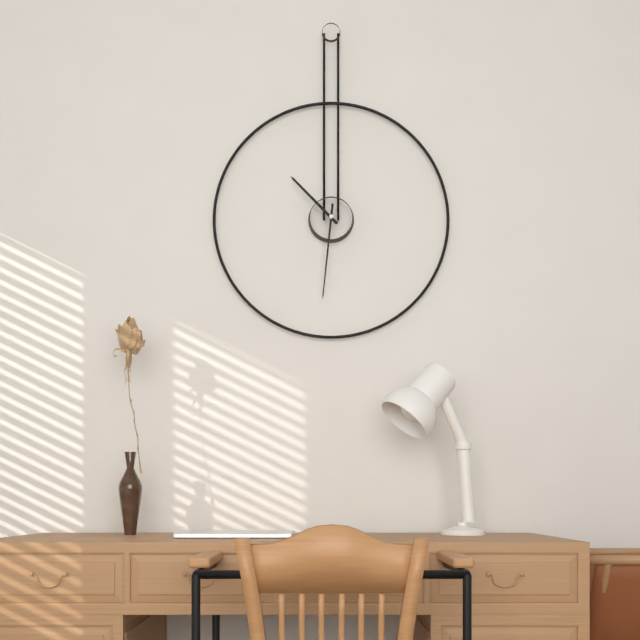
10:31
